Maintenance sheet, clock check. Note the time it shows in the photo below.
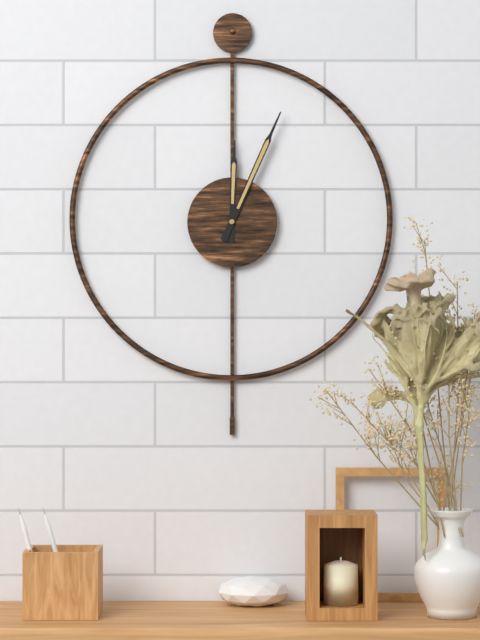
12:04
